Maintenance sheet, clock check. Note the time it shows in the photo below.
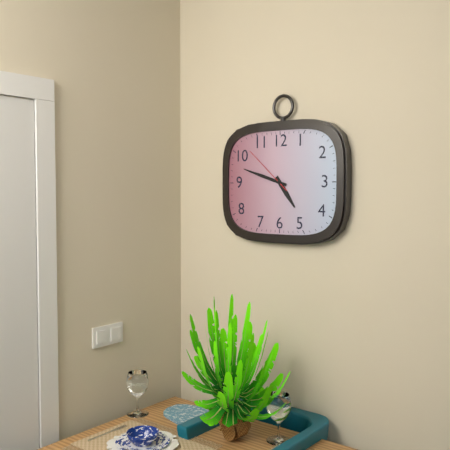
4:48:52
